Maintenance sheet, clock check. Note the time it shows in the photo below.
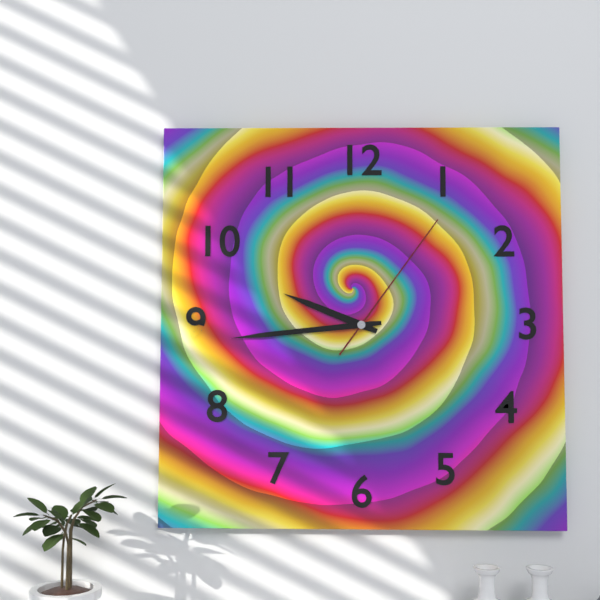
9:44:06
